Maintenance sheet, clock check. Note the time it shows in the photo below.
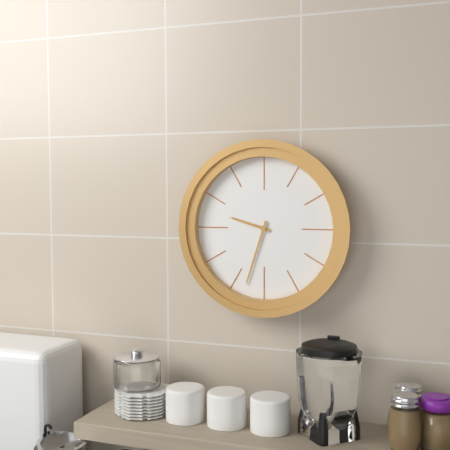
9:33
